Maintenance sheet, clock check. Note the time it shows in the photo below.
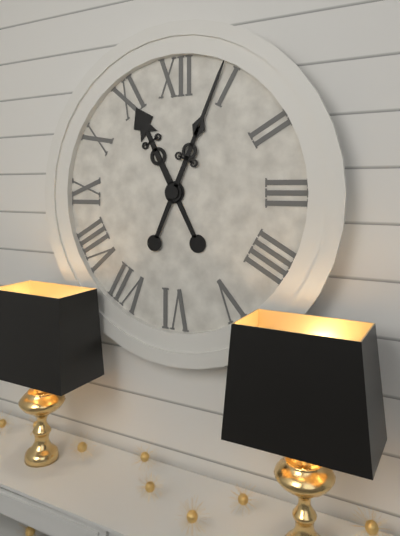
11:04
